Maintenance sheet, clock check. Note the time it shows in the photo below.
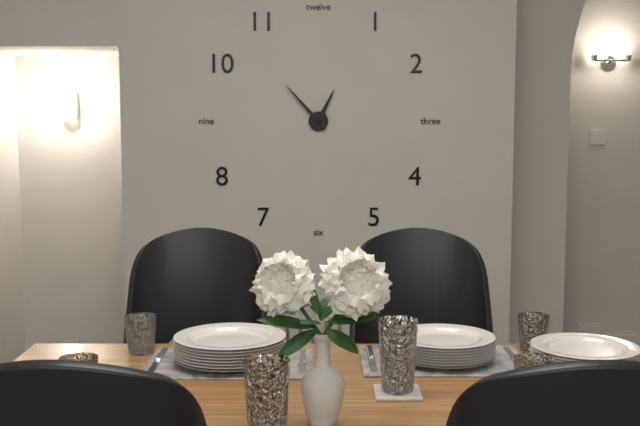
12:53
